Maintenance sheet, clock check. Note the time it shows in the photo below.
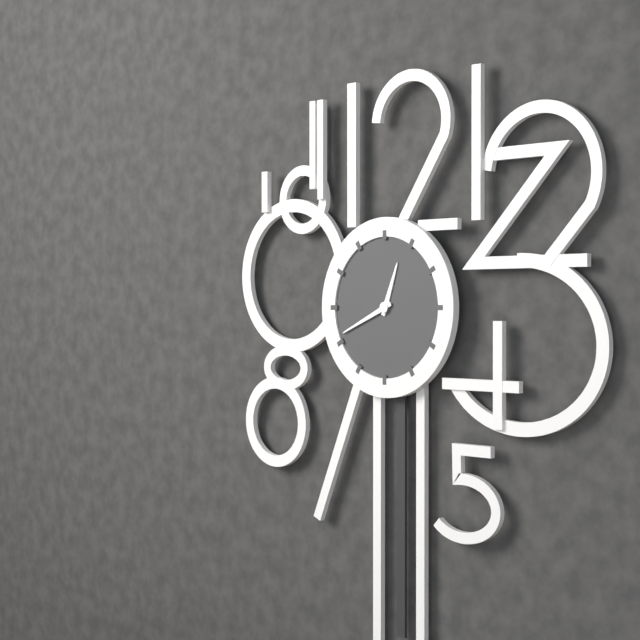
12:41
